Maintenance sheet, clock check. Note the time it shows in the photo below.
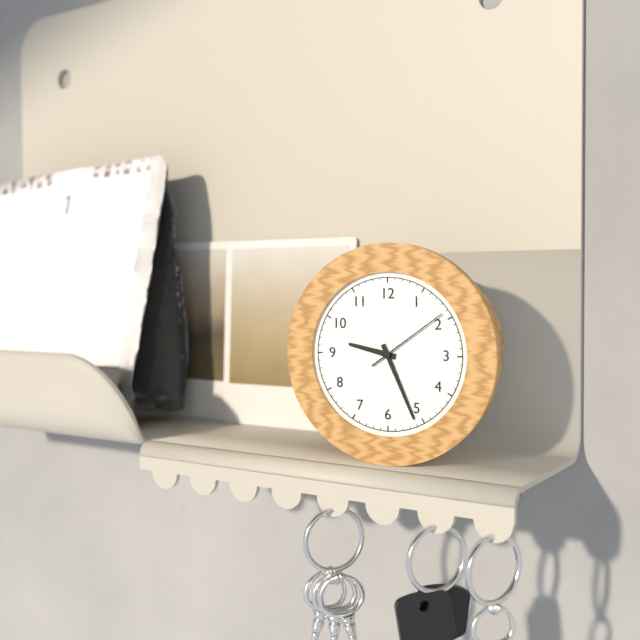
9:26:09
